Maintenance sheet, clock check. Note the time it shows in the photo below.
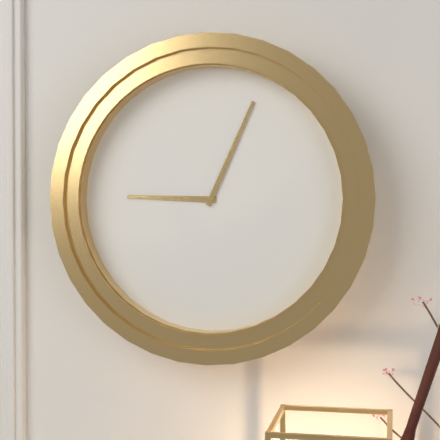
9:04
